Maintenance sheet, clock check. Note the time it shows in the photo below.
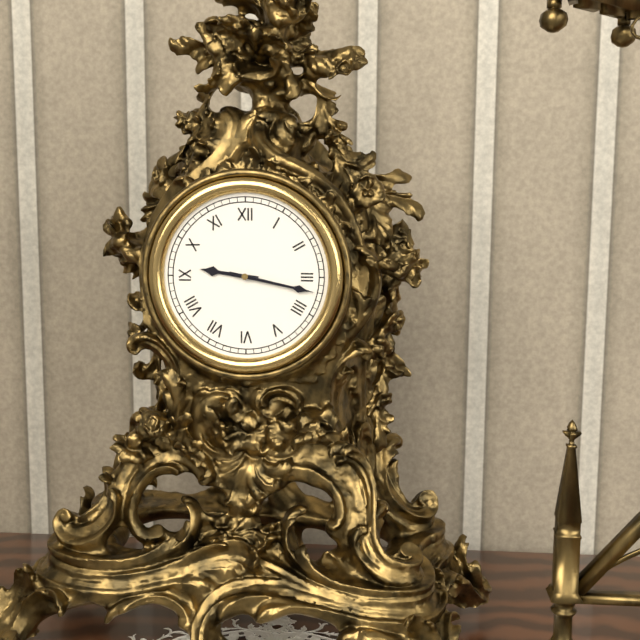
9:17
